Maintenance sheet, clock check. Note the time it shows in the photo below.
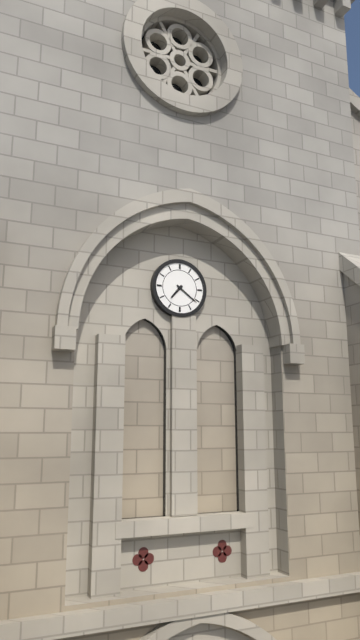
7:21
